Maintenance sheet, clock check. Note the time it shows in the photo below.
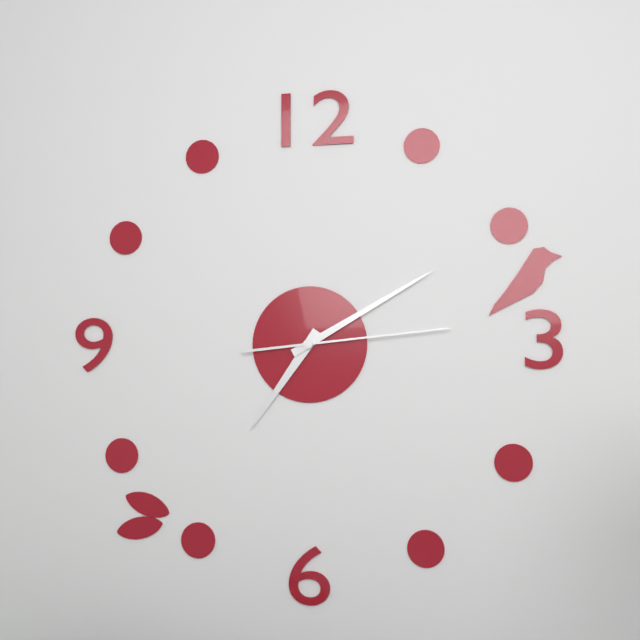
7:10:14
